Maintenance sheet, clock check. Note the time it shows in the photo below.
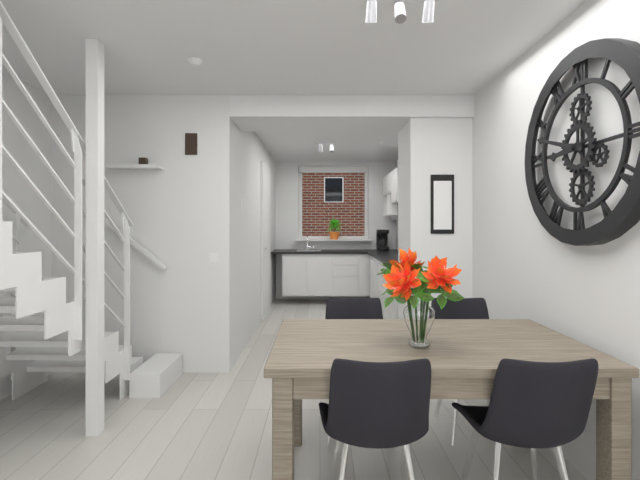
8:48
